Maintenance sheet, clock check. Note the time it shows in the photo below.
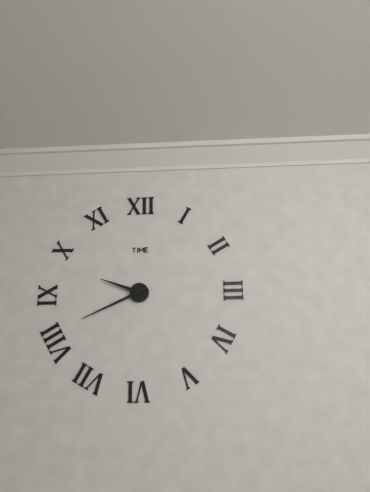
9:41
